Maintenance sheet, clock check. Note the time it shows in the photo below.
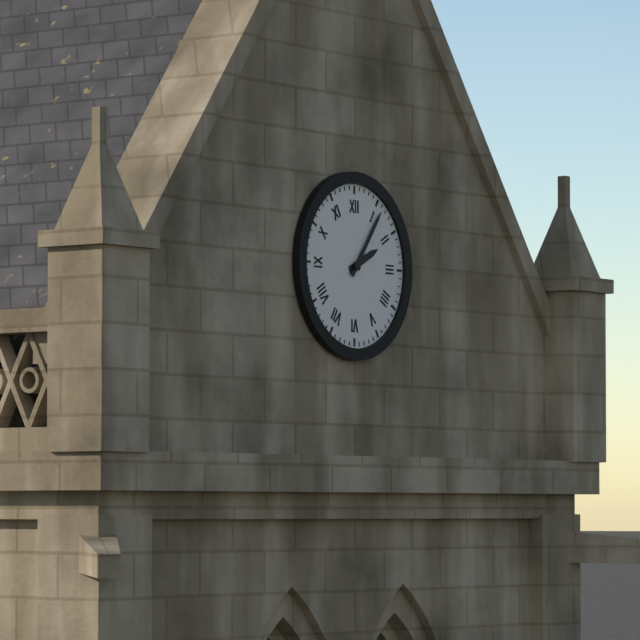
2:06
